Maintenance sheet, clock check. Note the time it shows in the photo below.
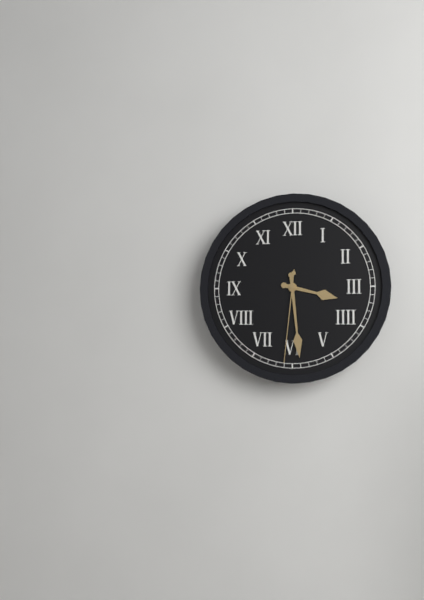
3:29:31
